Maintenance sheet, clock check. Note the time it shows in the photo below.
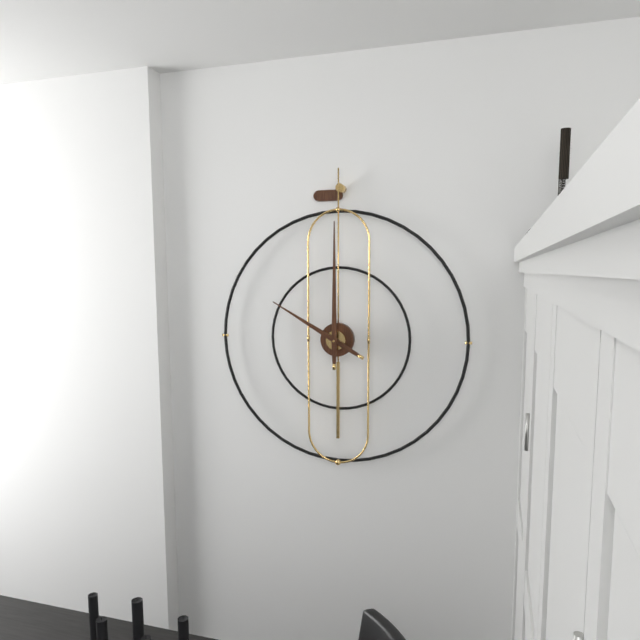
10:00
